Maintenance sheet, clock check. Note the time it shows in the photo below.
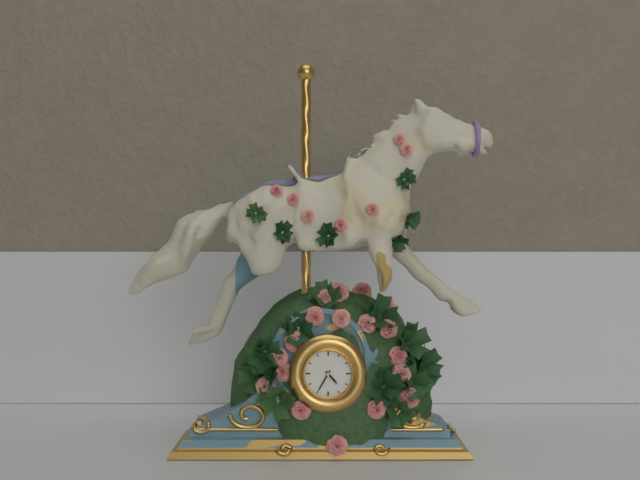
4:35
